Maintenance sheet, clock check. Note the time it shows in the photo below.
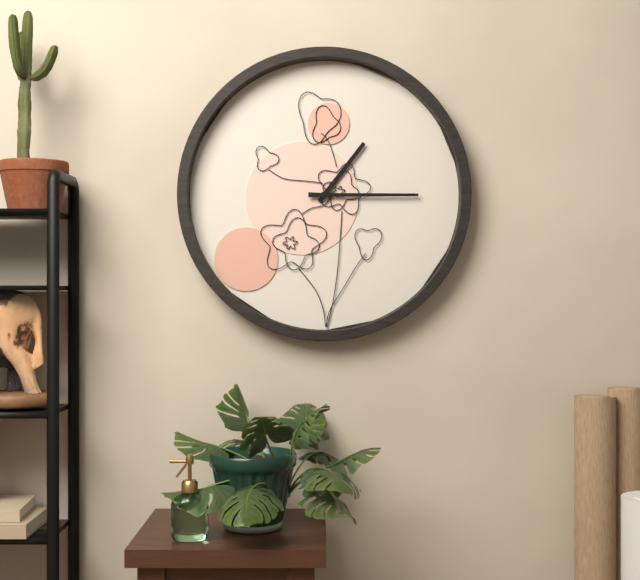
1:15
